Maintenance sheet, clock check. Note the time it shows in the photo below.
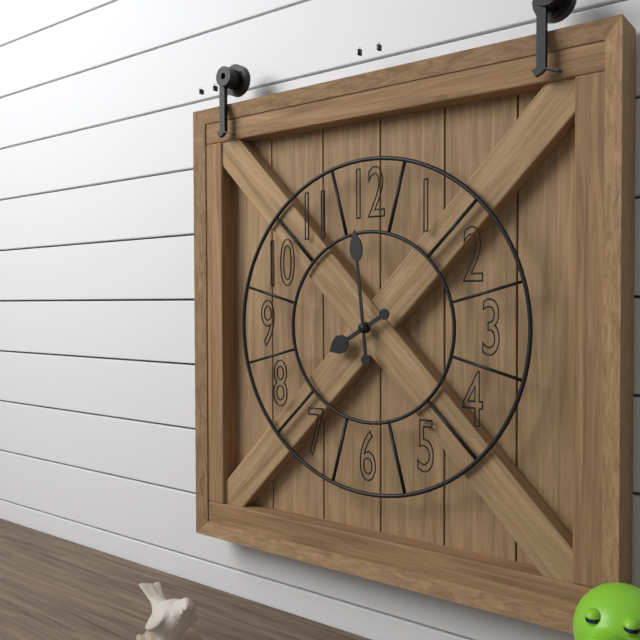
7:59
